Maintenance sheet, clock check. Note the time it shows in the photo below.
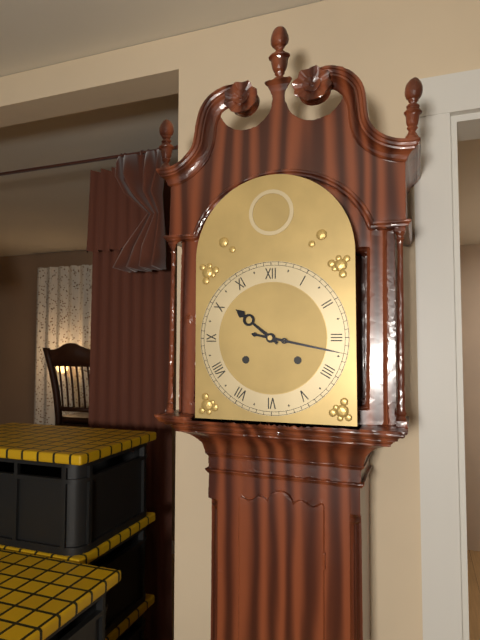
10:17
